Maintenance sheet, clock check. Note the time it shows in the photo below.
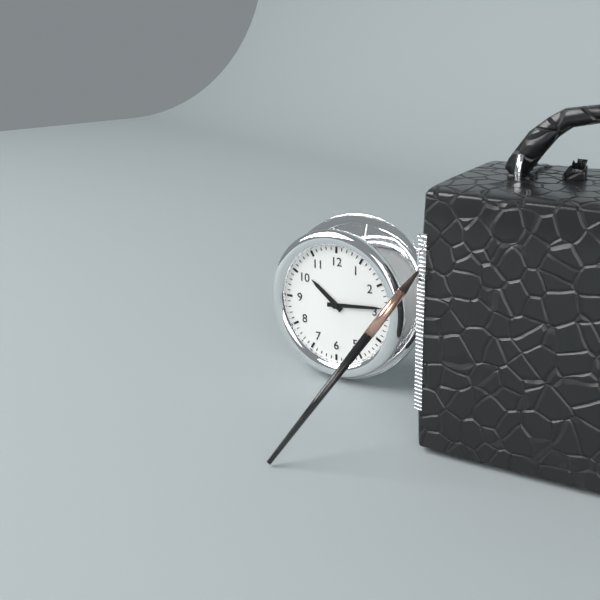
10:14
